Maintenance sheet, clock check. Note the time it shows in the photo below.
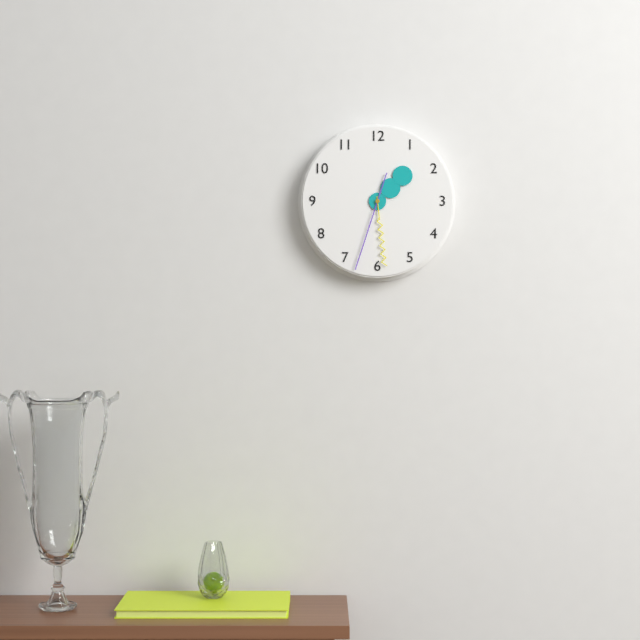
1:29:33
